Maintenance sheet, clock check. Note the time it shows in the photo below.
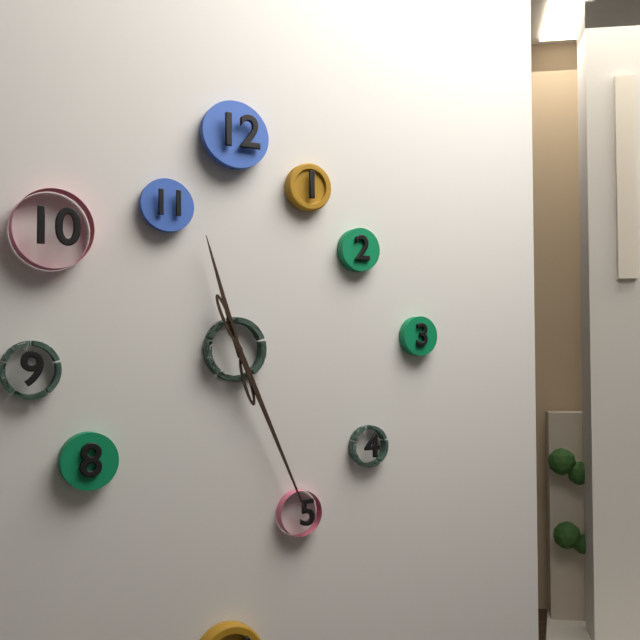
11:26
